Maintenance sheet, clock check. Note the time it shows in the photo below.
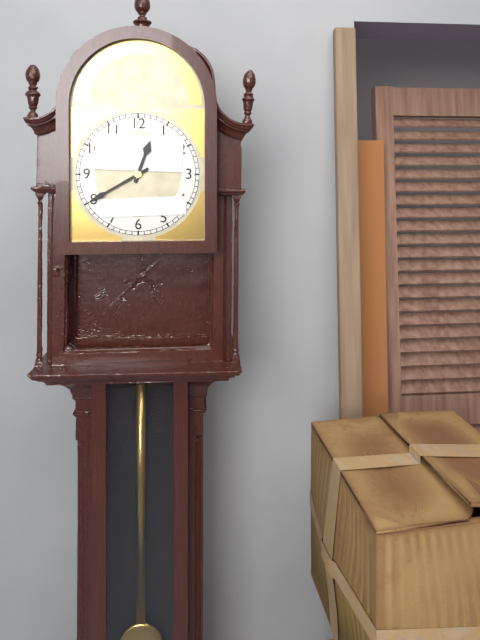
12:40
